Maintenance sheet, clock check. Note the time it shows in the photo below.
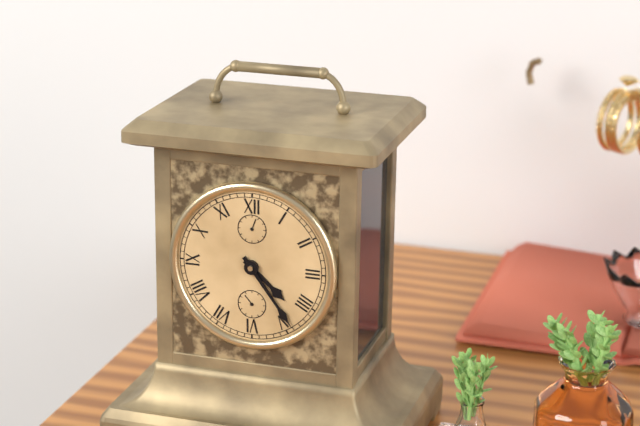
4:24
